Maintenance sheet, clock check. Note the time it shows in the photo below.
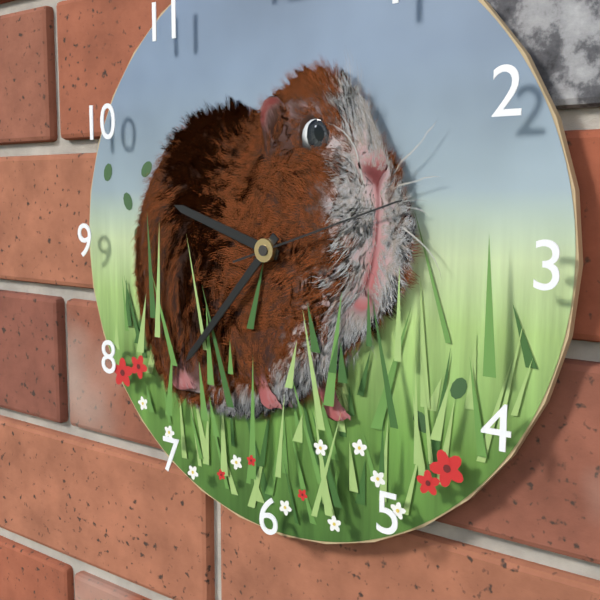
9:37:12
